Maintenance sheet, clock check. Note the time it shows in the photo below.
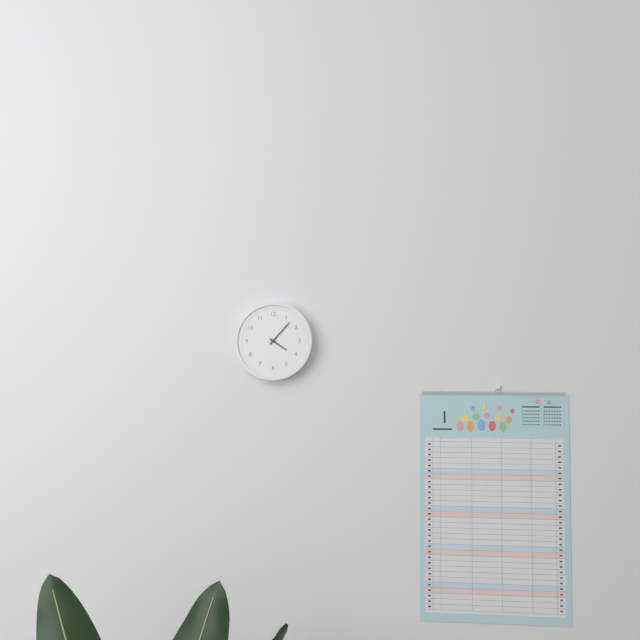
4:07
